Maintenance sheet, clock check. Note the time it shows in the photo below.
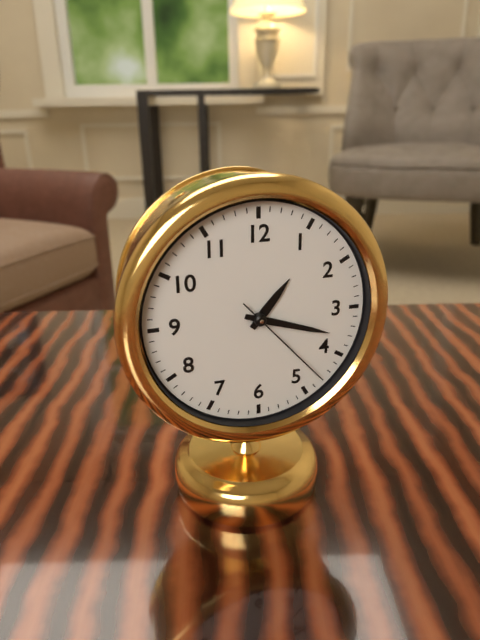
1:18:23
